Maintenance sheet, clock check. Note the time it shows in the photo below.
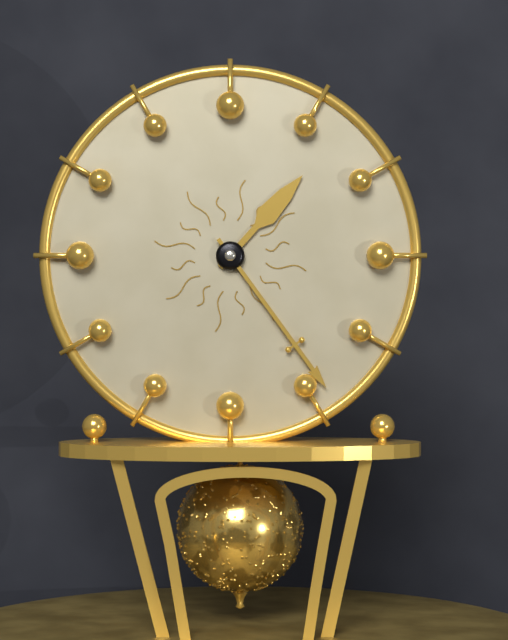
1:24
